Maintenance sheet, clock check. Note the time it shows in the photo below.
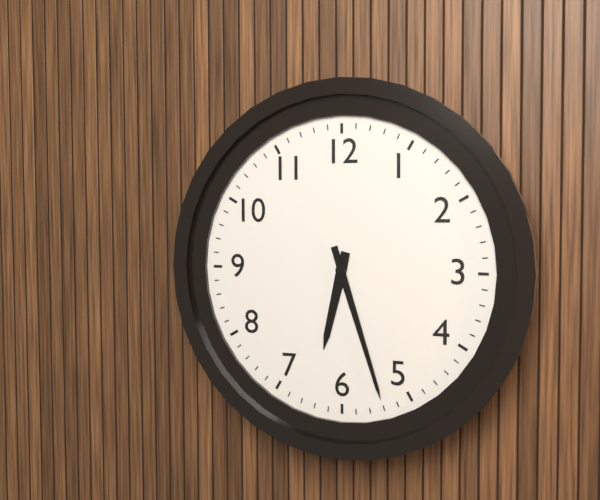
6:27
